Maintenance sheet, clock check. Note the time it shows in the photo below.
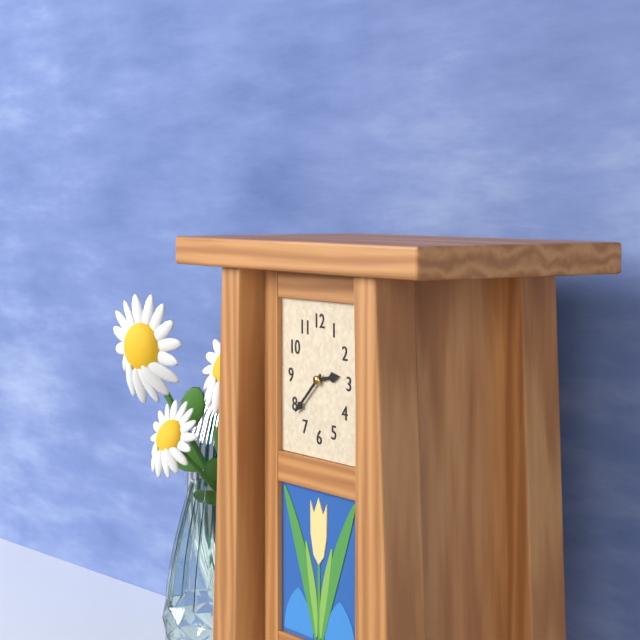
2:38
